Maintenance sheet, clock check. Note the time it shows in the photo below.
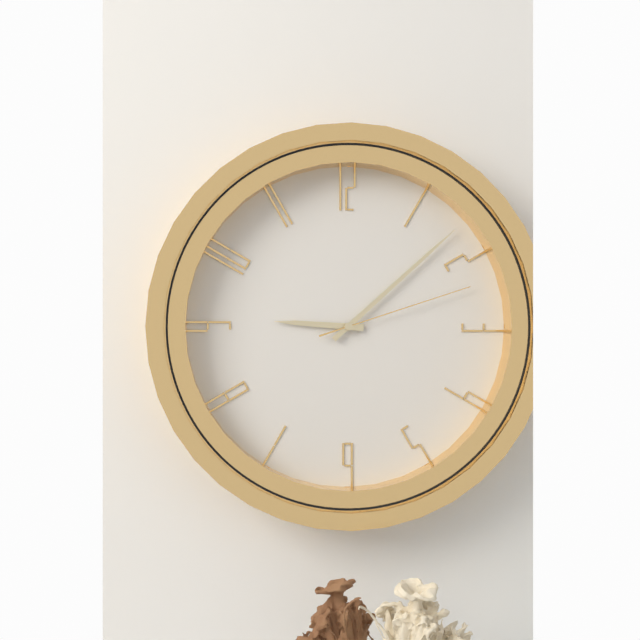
9:08:12
